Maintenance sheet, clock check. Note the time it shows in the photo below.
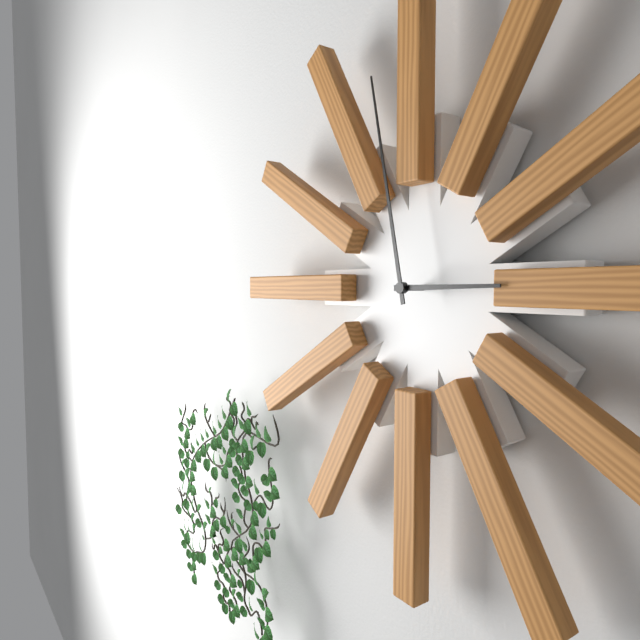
2:58
